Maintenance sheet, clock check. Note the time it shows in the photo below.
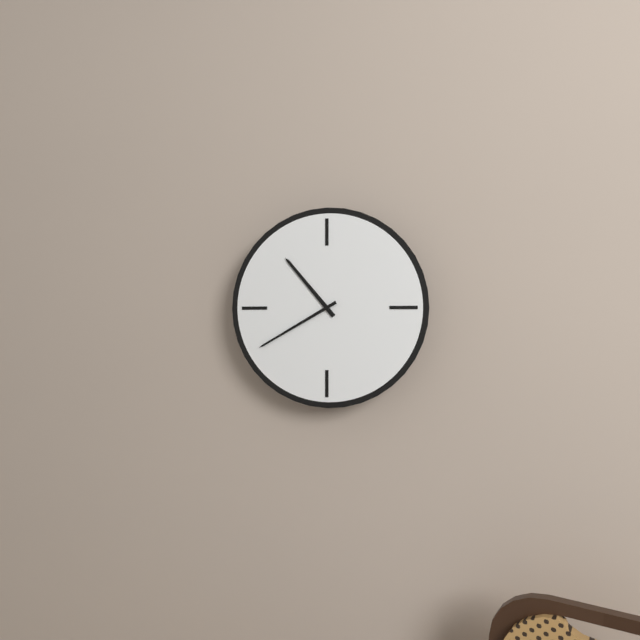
10:40
